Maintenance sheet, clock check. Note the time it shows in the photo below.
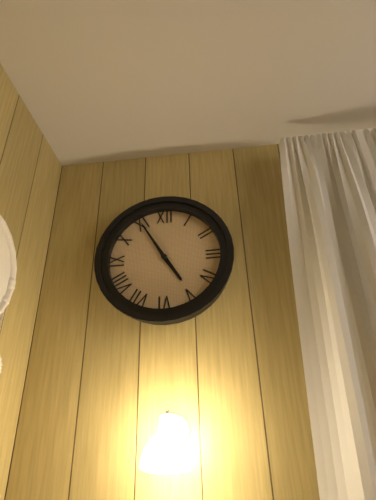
4:55
